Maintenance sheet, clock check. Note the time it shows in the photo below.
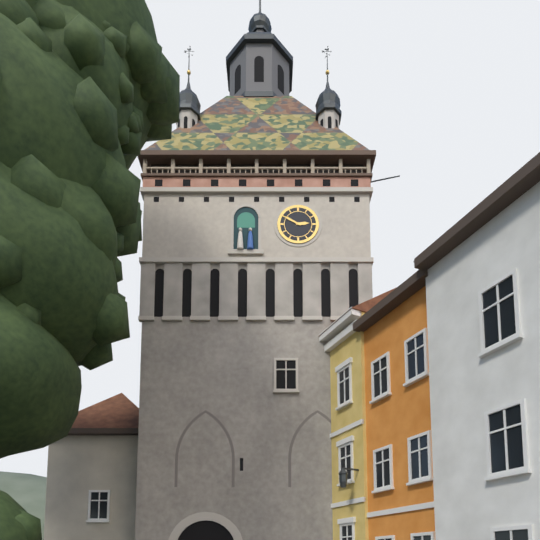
2:50
